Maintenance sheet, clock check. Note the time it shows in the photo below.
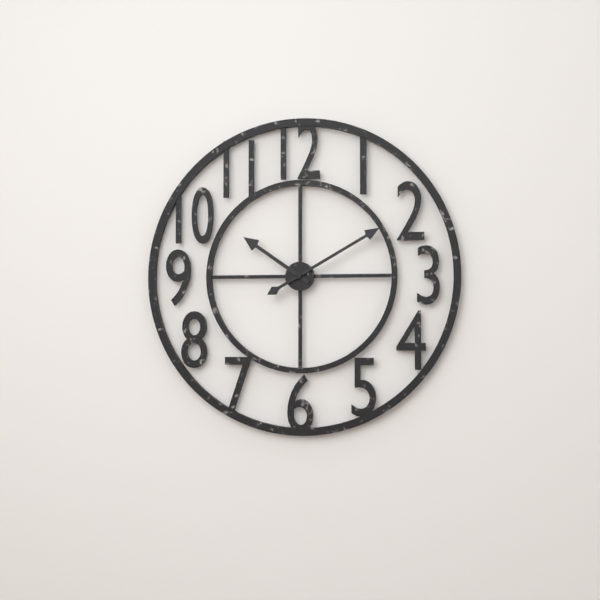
10:10
